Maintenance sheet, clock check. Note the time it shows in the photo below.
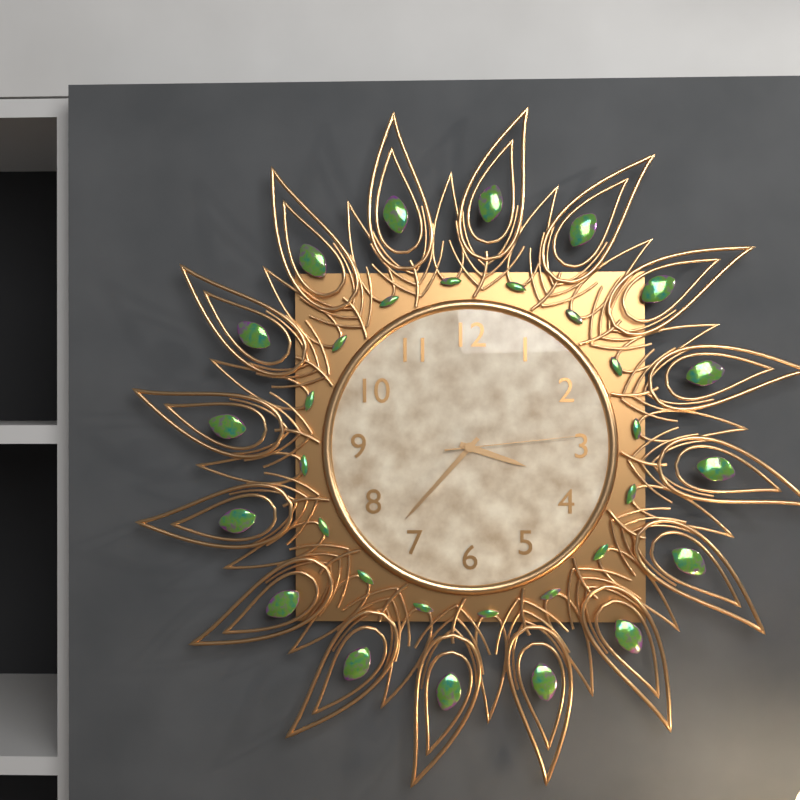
3:37:14
